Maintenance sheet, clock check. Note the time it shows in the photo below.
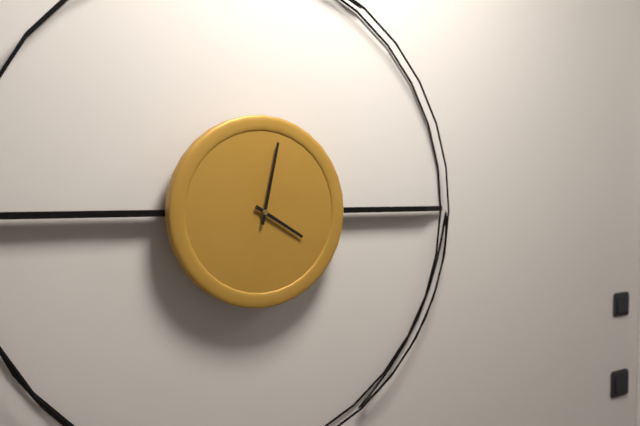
4:02
